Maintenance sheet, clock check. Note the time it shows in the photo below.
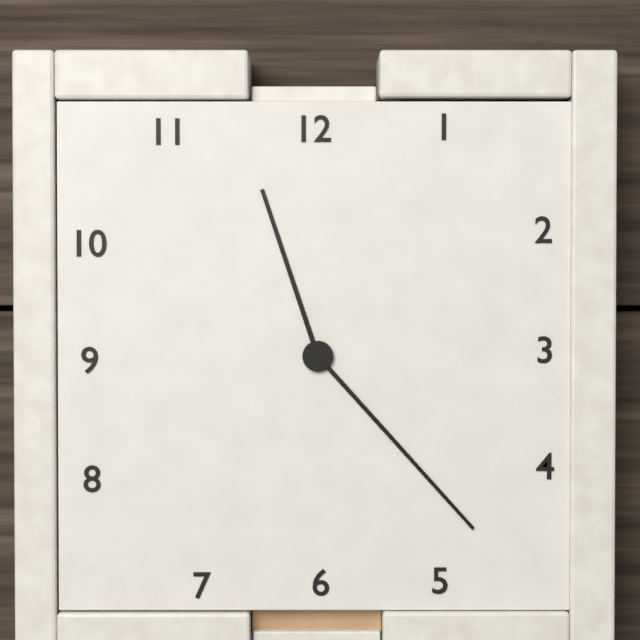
11:23
